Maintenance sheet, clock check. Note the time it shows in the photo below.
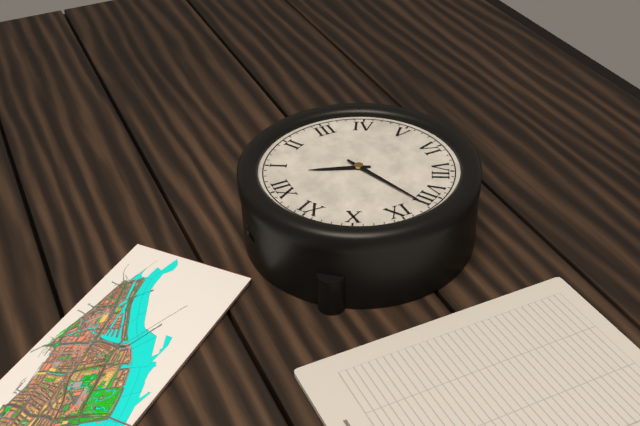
12:42
